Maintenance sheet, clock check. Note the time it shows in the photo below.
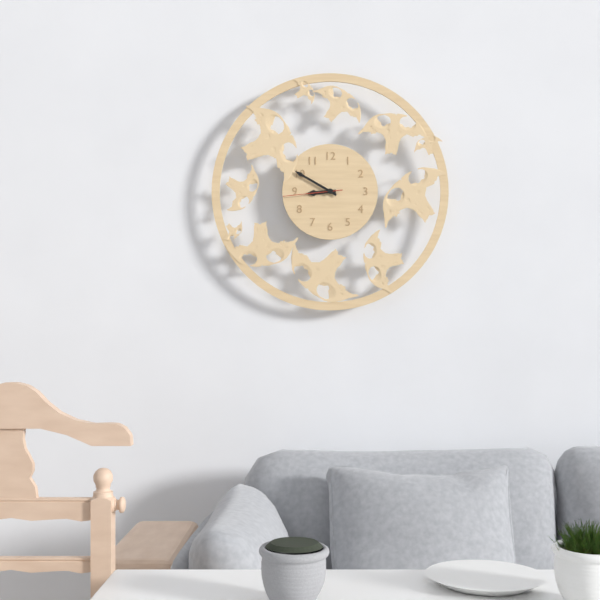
8:50:44
